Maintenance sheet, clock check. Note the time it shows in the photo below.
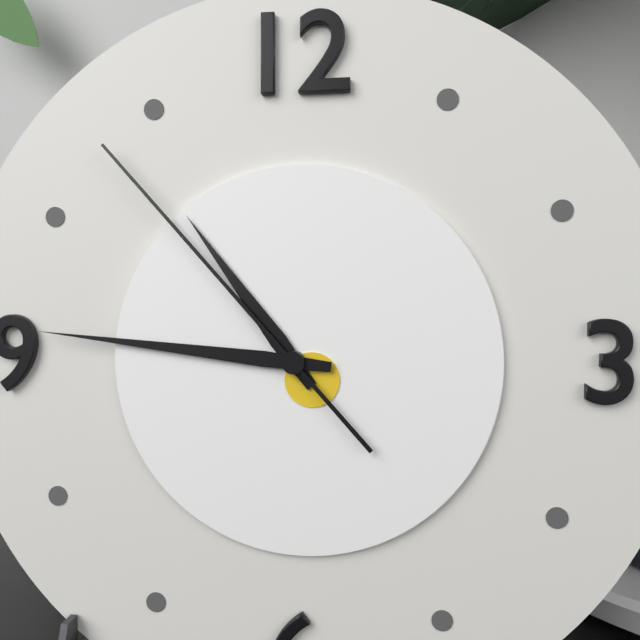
10:46:53
